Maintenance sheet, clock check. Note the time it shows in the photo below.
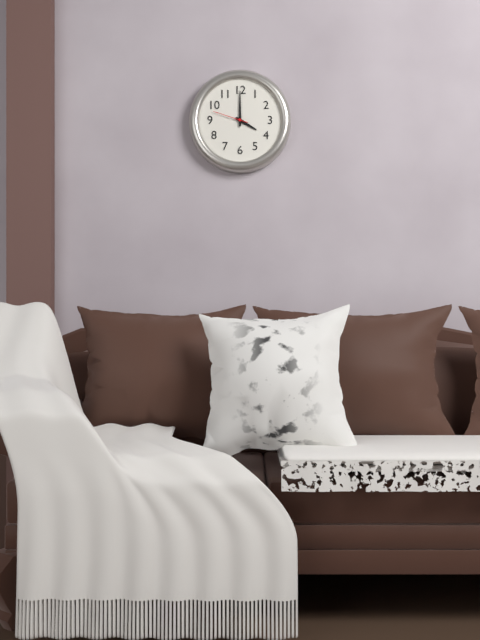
4:00
